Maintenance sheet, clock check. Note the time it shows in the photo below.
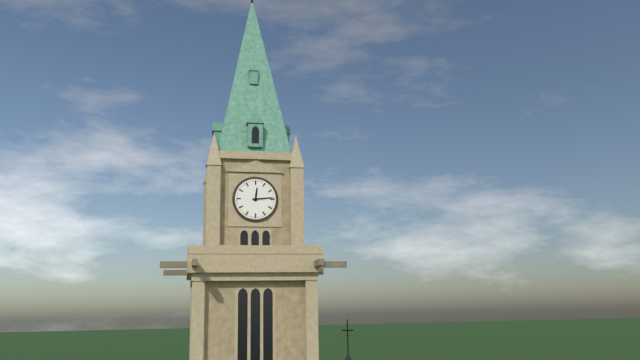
12:14
